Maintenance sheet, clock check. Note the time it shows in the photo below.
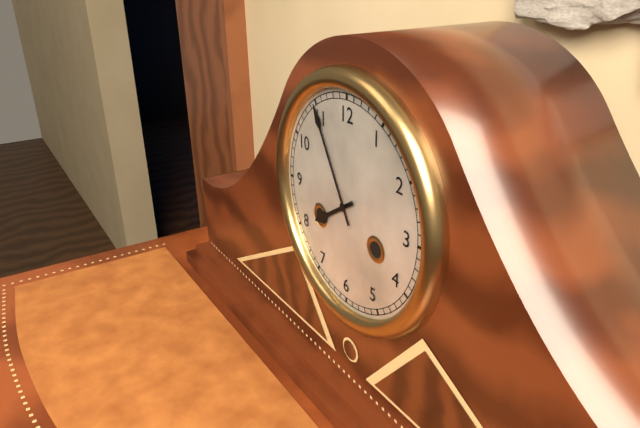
7:55
